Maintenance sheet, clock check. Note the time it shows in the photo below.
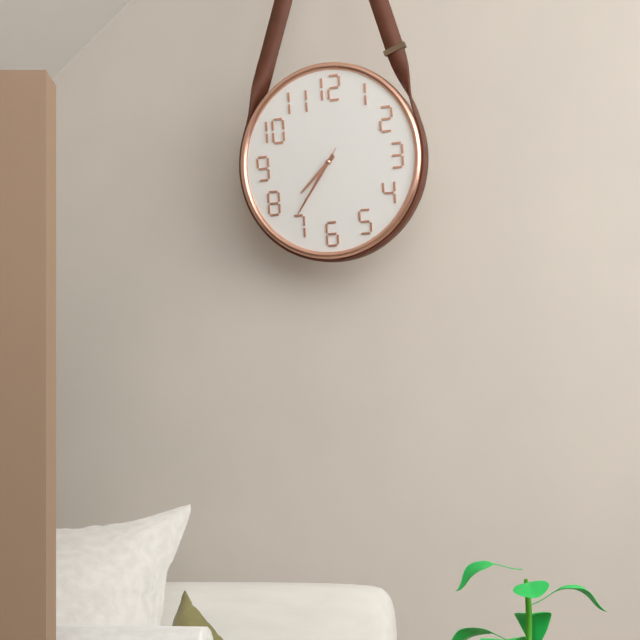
7:36:36
